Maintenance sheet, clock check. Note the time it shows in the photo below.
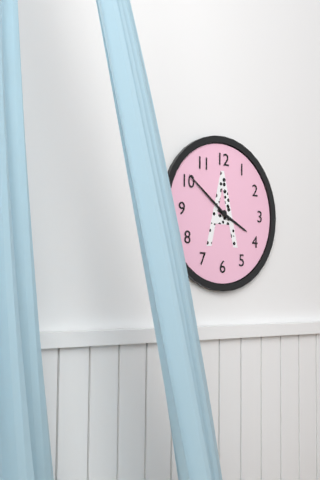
3:51
